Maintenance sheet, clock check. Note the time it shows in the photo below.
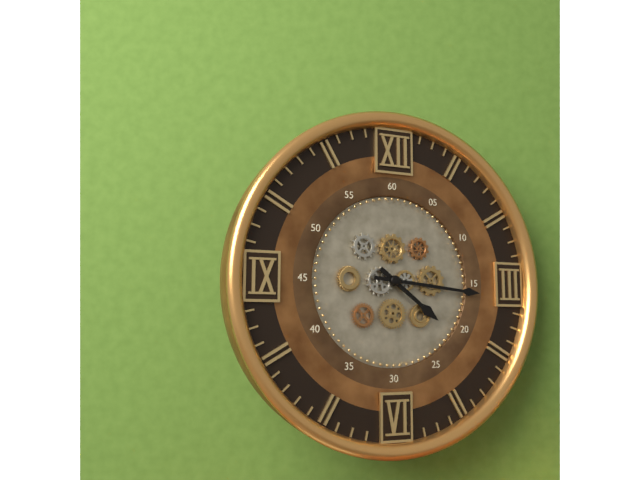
4:16
